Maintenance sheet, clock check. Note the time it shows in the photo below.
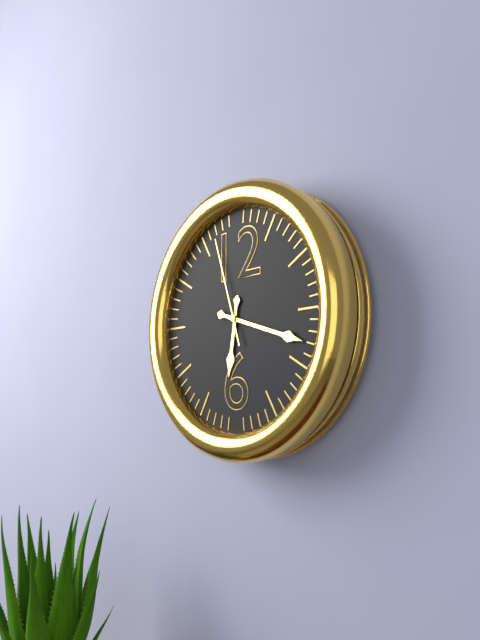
6:18:57
